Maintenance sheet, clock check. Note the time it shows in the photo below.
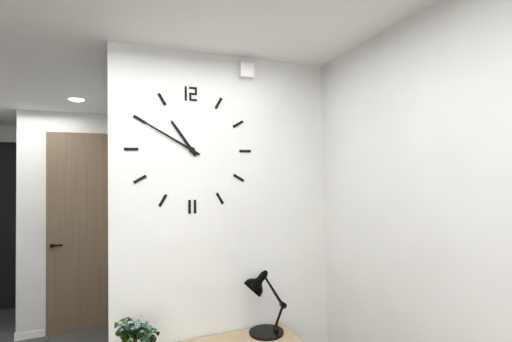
10:50
